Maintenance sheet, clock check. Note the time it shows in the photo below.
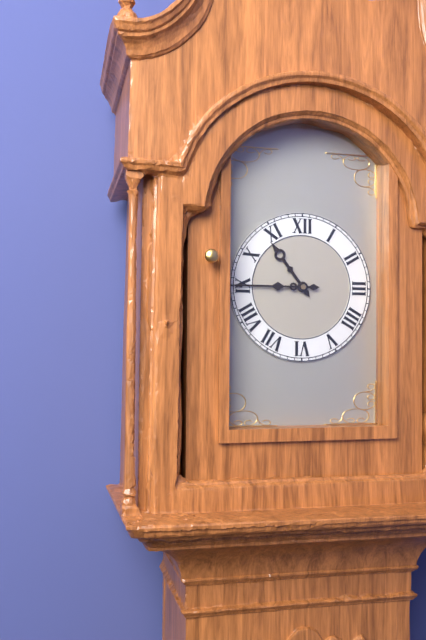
10:45
